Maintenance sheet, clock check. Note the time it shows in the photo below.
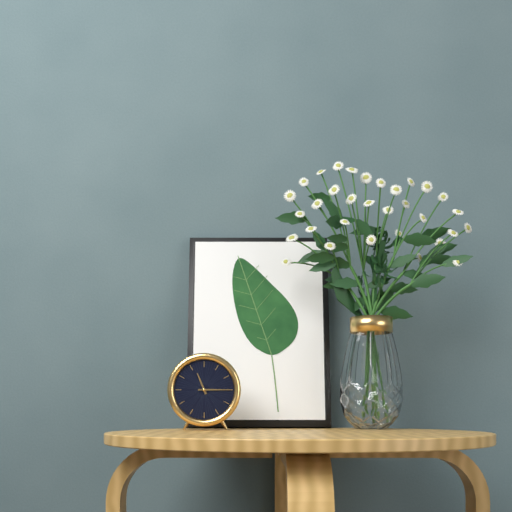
11:15
